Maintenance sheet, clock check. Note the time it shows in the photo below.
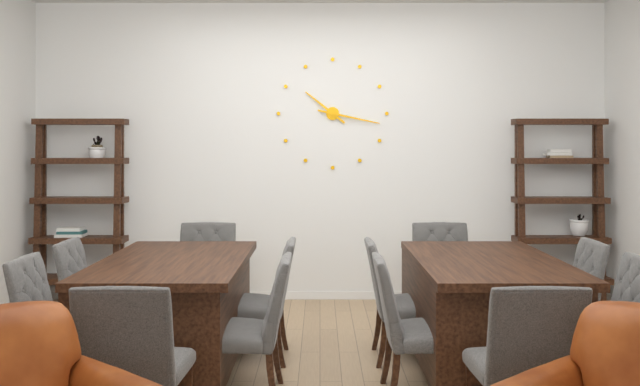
10:17
